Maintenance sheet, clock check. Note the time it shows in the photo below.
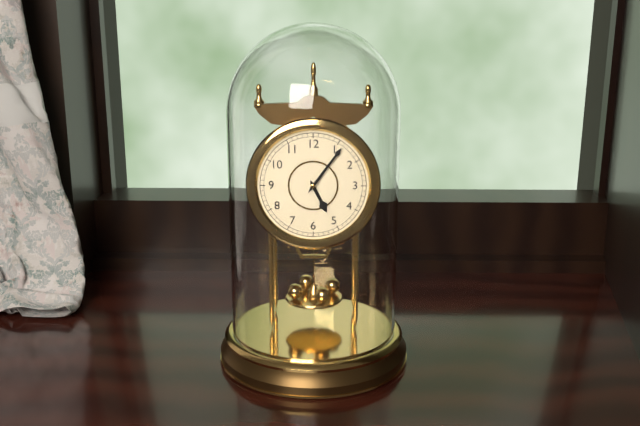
5:06
